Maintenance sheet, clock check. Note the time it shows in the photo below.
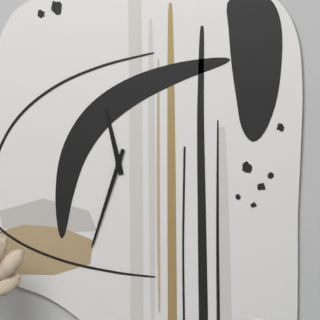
11:33
